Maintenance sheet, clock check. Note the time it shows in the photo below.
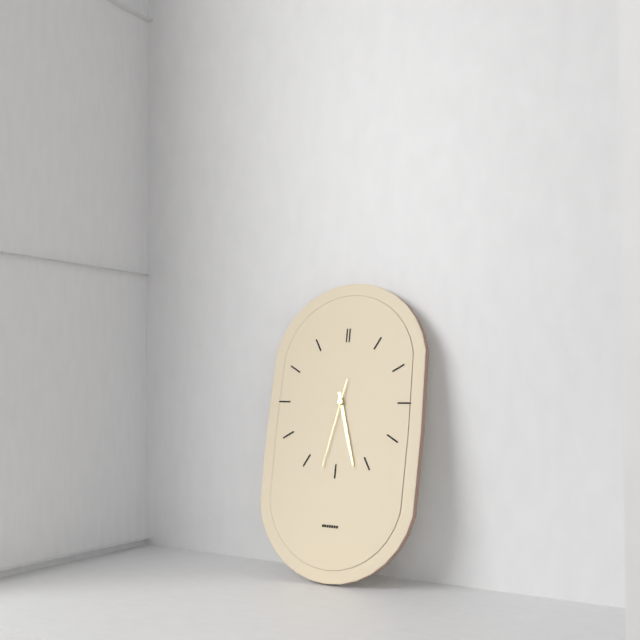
5:27:32
